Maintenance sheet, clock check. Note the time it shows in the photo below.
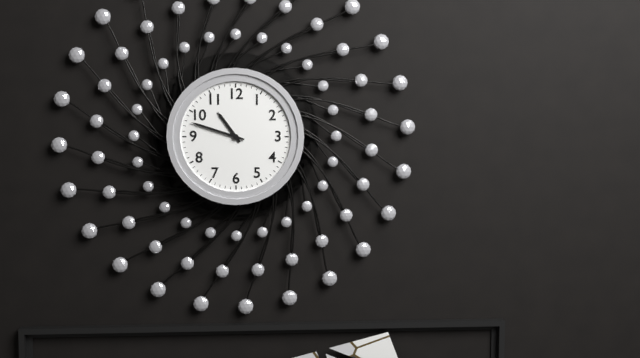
10:48
